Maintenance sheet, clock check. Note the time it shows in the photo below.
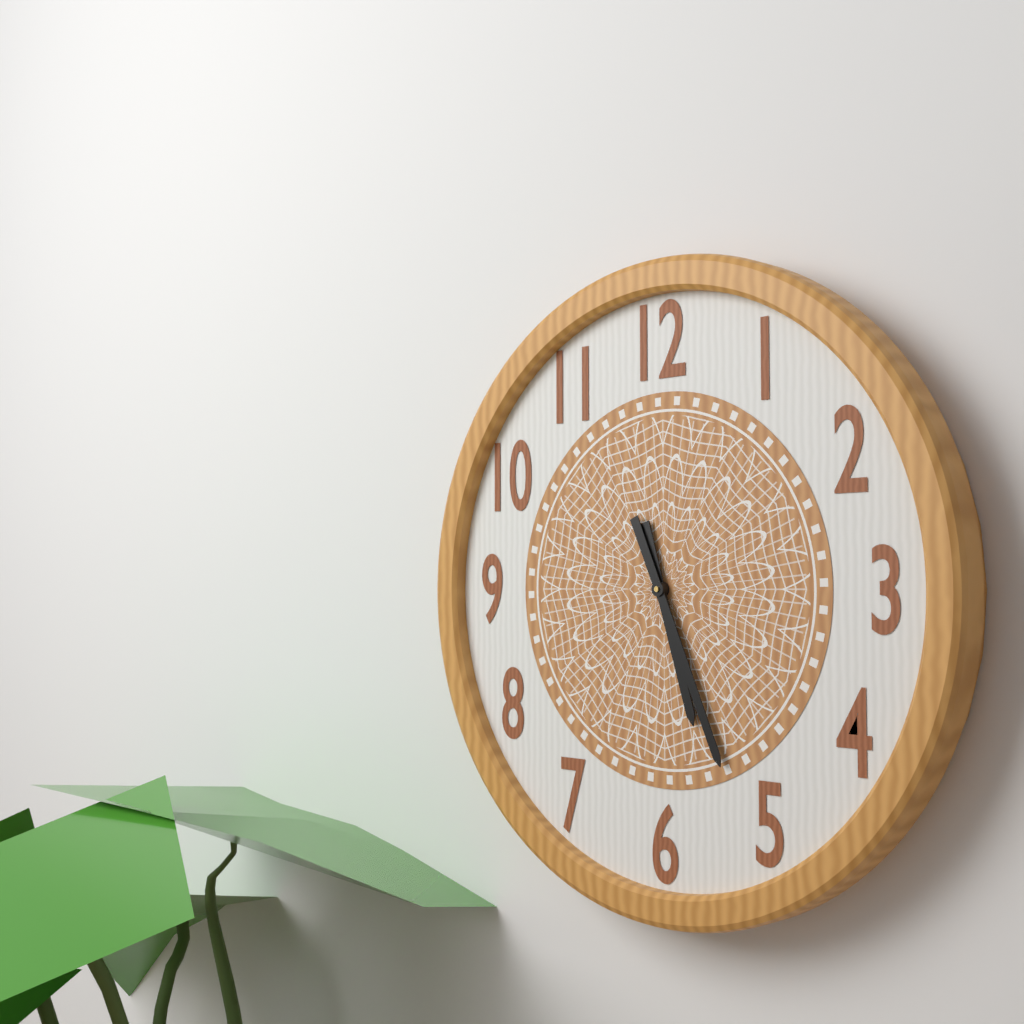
5:26
